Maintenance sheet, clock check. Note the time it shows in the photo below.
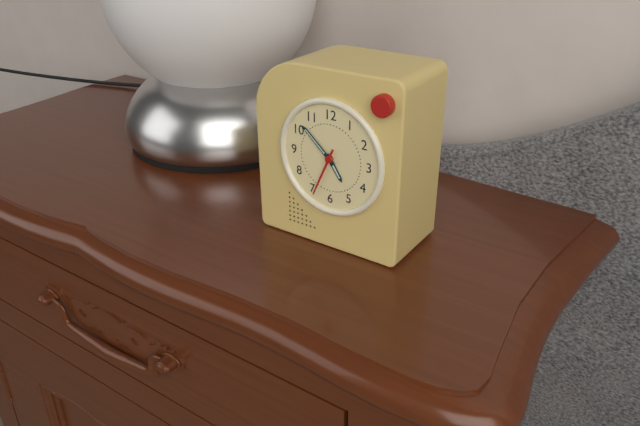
4:52
